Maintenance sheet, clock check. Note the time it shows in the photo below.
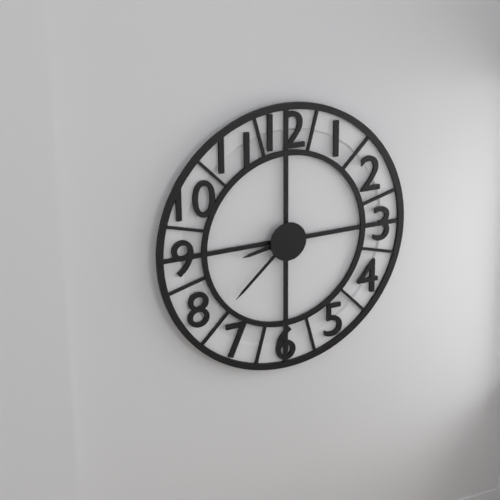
8:38
